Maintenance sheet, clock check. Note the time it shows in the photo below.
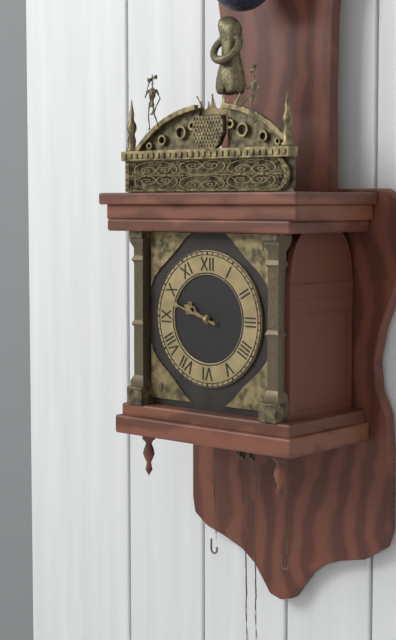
9:48
